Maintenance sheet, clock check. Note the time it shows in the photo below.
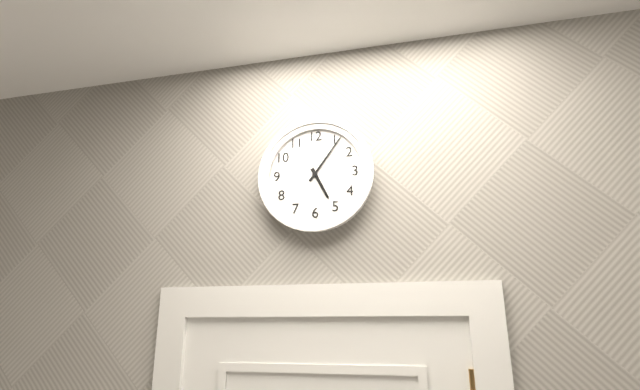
5:06
